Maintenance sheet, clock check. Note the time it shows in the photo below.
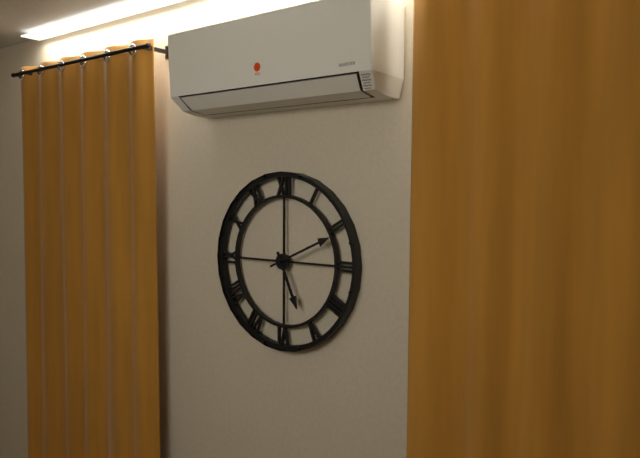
5:11
